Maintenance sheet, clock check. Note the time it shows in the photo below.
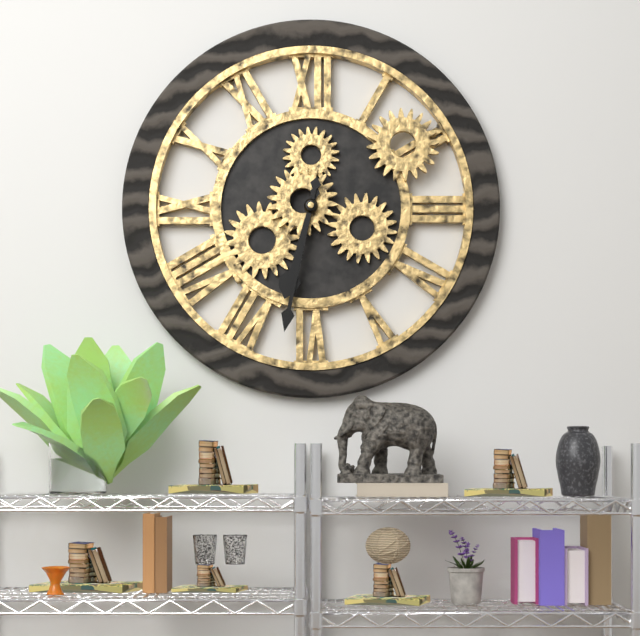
6:32
